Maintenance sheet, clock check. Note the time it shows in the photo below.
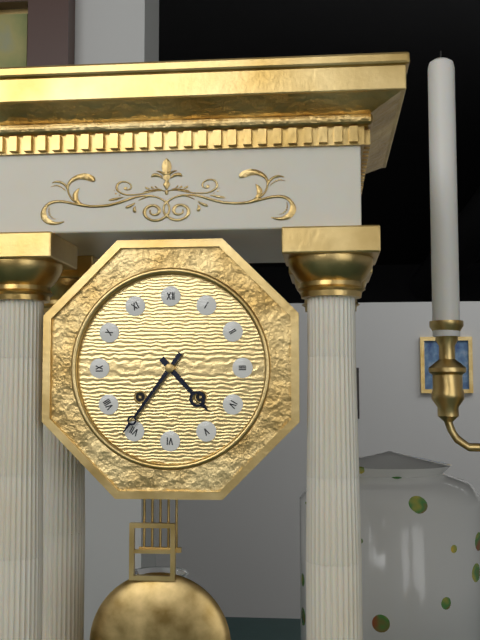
4:36
